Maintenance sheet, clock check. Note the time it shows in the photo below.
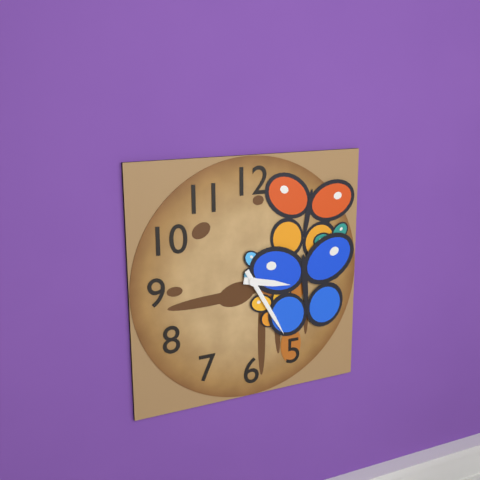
3:25
